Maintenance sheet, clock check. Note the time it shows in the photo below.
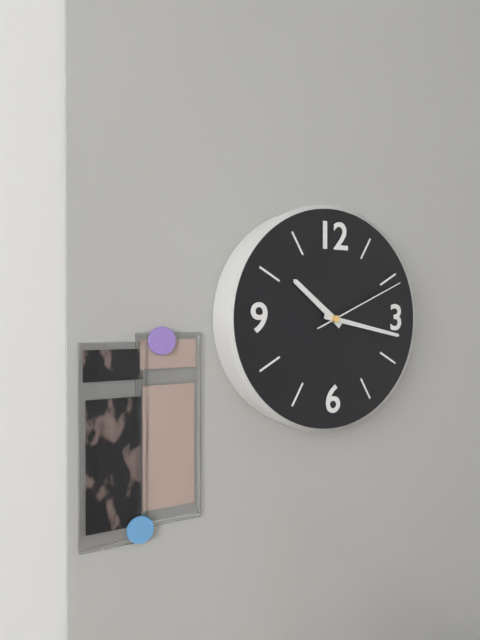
10:17:11
